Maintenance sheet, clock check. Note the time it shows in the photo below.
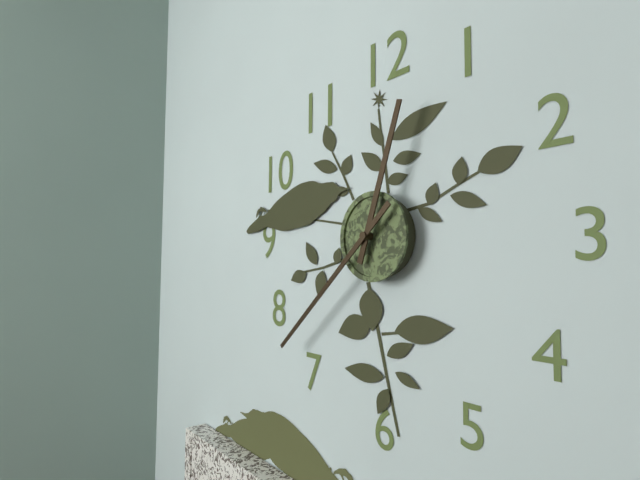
12:38
